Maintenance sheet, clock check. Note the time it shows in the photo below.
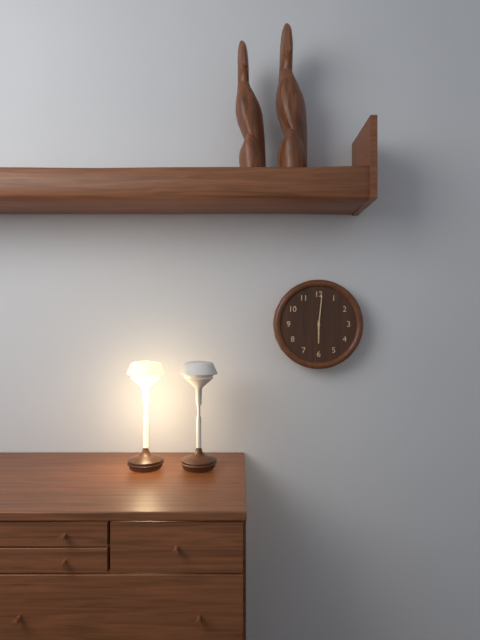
6:01
